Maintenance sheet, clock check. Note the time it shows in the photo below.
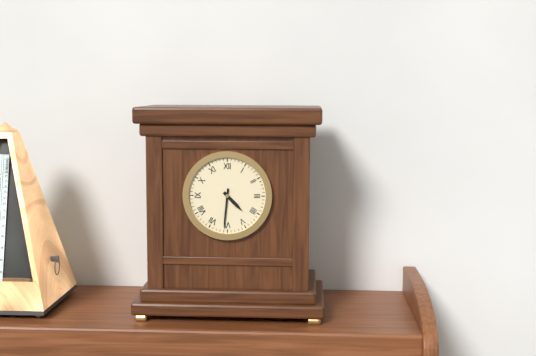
4:31
